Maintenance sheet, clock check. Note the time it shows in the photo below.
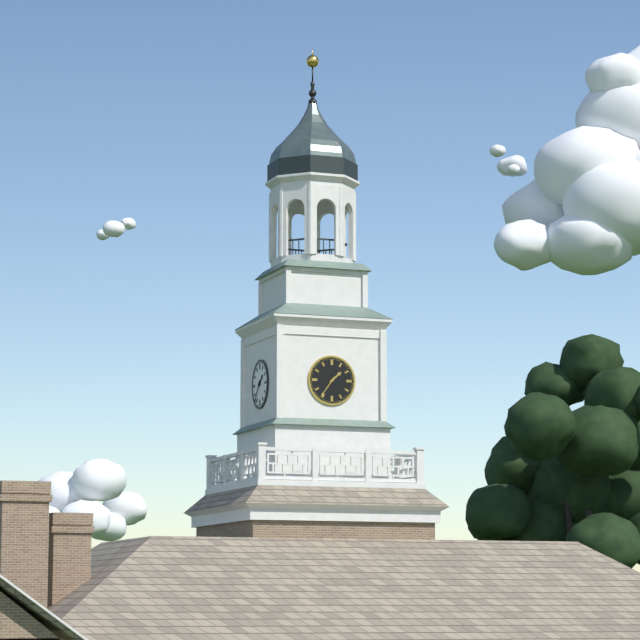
1:36
